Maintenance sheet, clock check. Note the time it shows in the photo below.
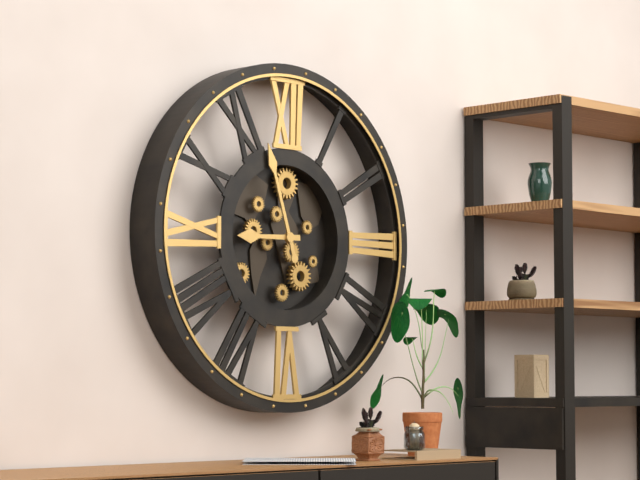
8:57
